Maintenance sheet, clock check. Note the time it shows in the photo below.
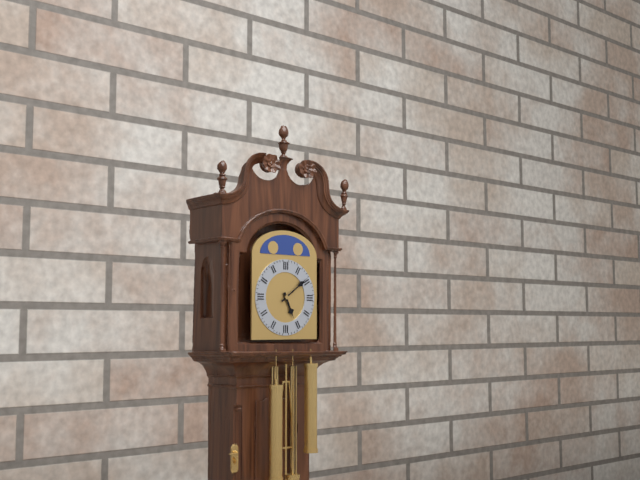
5:09
